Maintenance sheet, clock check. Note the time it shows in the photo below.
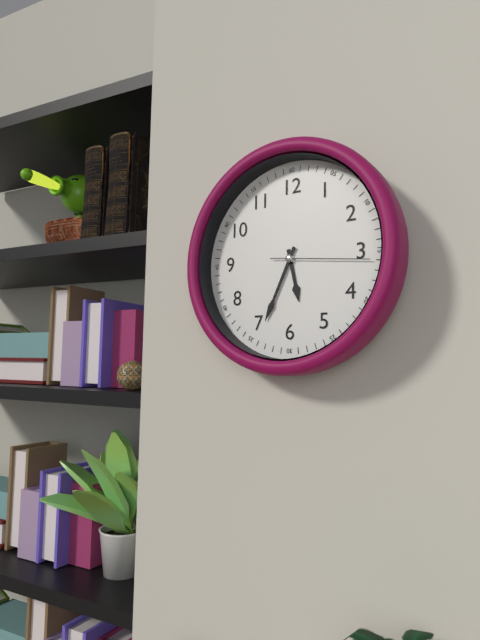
5:34:16
